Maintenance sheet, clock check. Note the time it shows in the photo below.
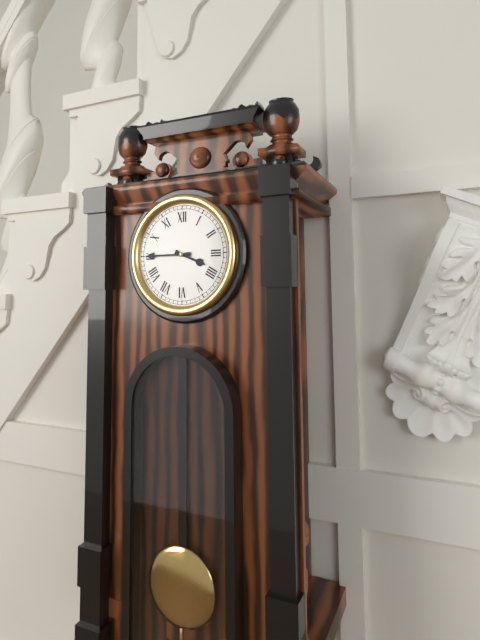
3:45
